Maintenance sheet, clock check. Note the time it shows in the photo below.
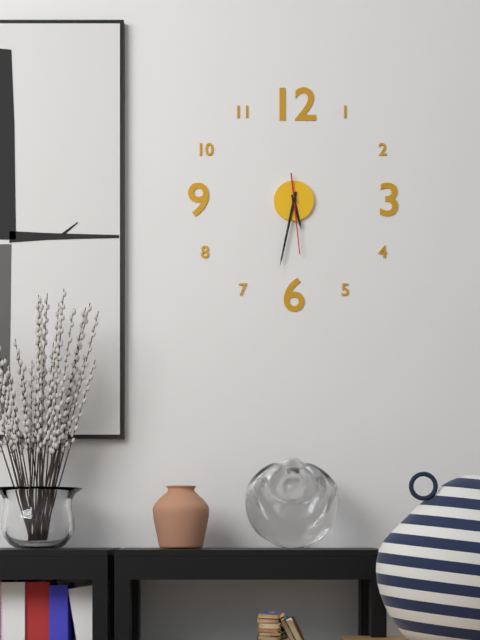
5:32:29
